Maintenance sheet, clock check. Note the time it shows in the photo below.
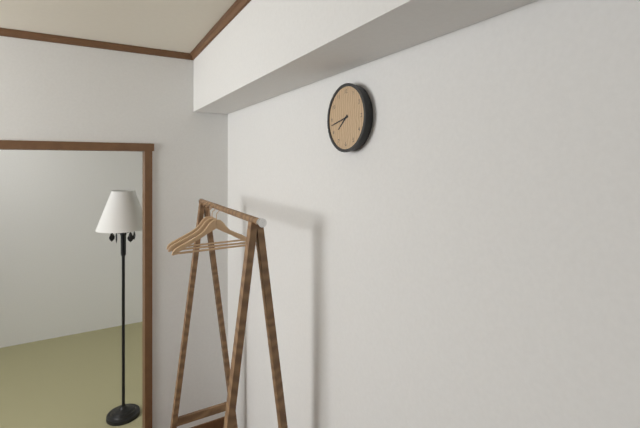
7:43
